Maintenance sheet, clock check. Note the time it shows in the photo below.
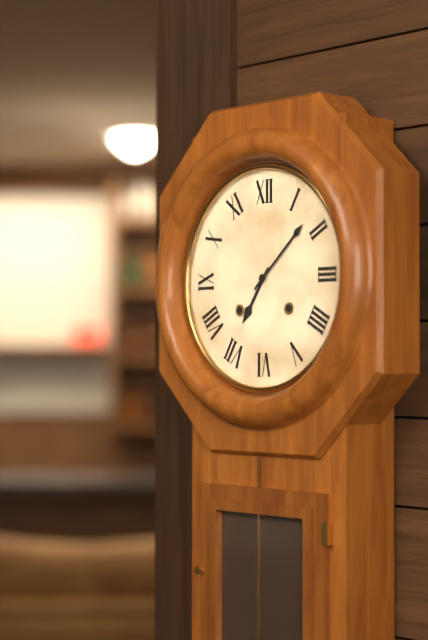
7:08
